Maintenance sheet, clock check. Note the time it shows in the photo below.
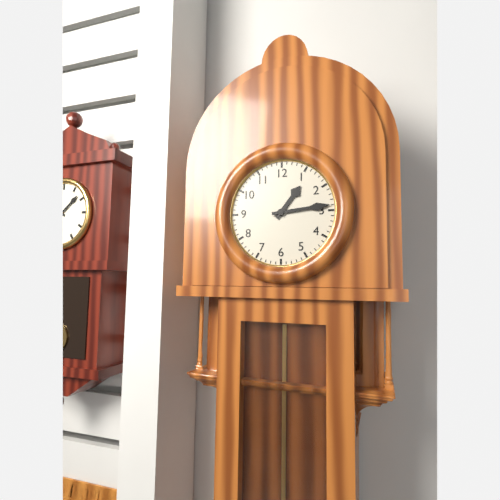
1:14
